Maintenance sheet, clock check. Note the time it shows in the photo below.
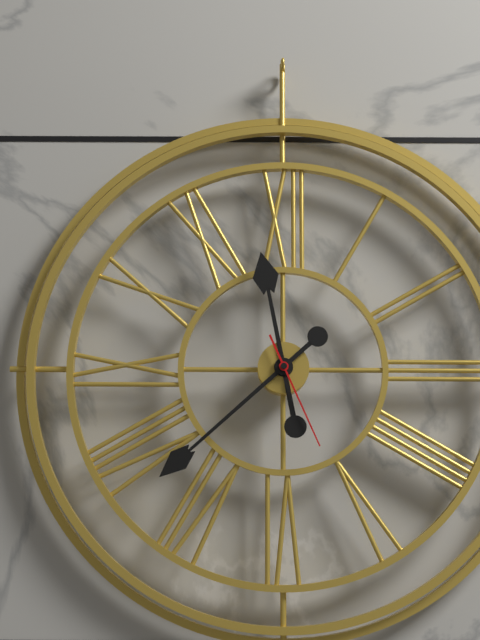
11:38:26
